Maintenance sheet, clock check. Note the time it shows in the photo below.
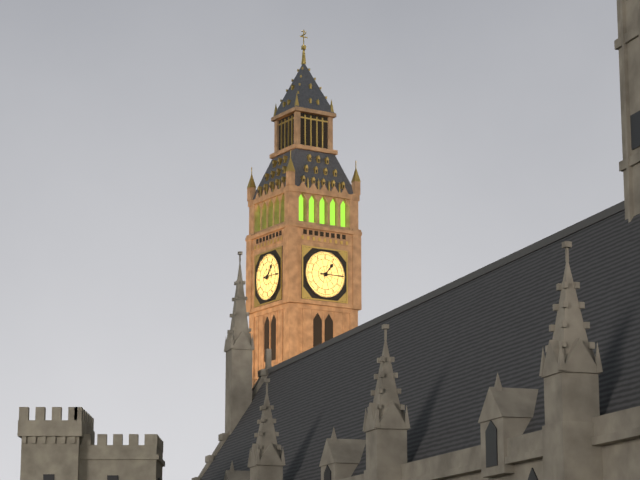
1:15
